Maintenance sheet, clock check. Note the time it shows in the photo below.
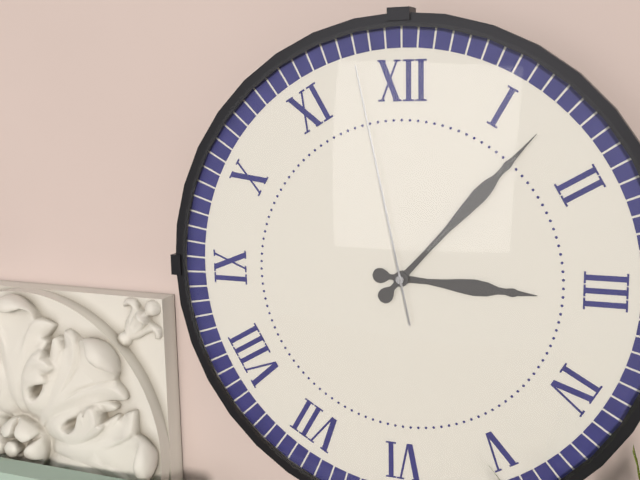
3:07:58
